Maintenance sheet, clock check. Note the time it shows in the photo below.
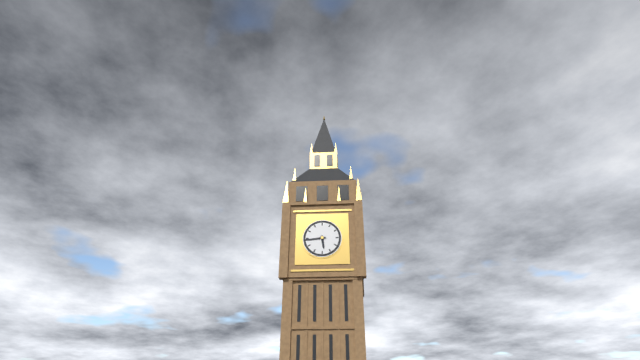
5:44
